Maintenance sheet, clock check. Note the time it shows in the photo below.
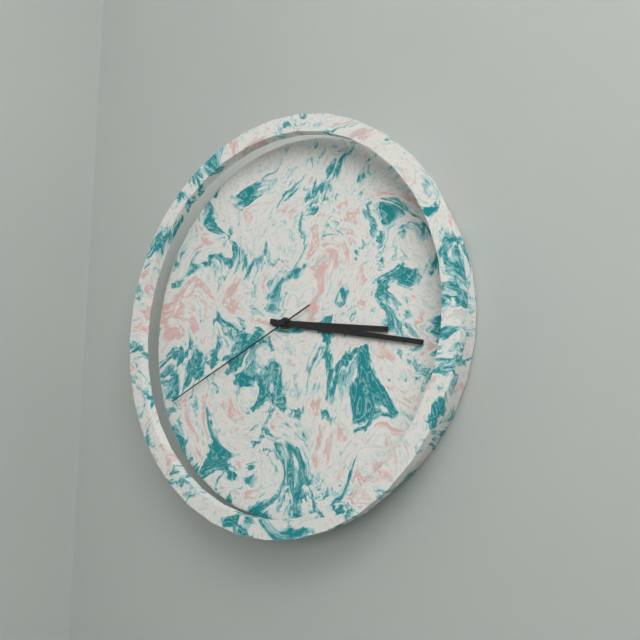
3:17:41
